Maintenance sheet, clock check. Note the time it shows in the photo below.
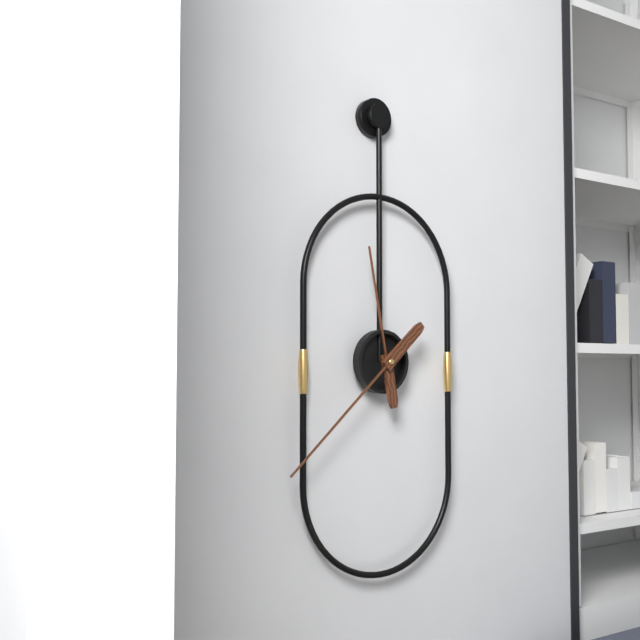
11:38
